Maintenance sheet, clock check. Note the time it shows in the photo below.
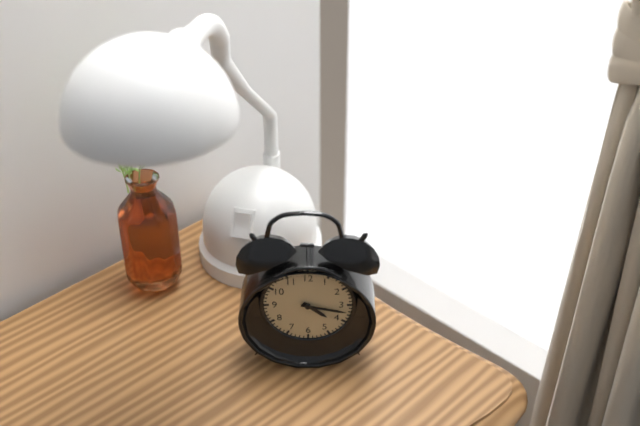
4:17
